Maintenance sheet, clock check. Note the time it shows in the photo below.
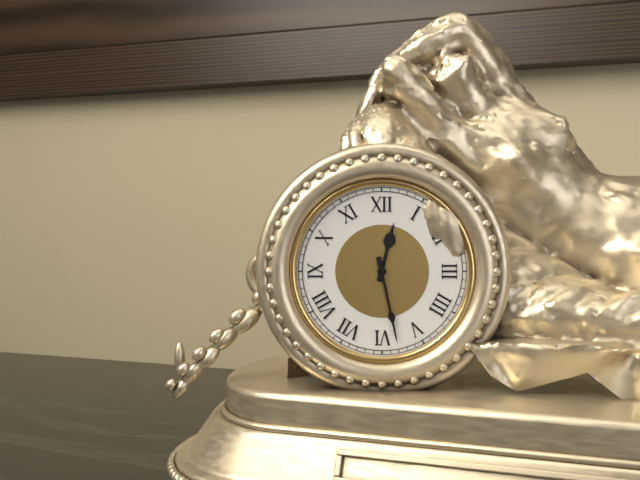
12:28
